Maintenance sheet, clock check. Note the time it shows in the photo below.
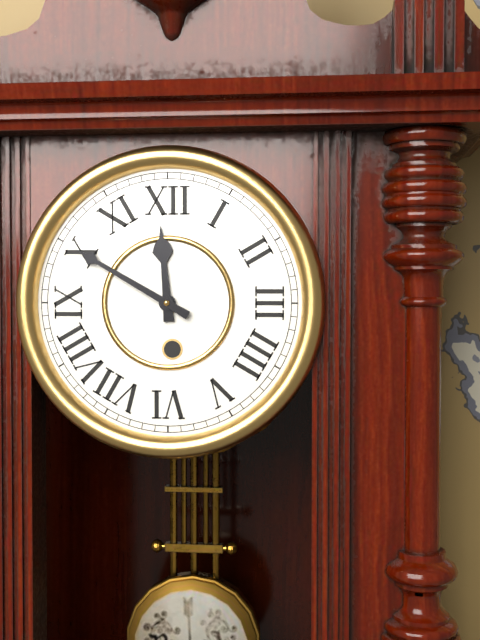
11:50
